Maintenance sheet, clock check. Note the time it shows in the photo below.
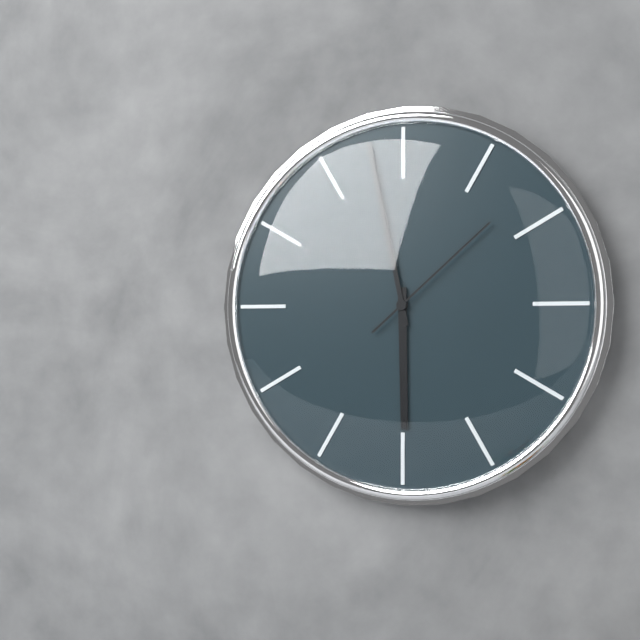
5:58:08
